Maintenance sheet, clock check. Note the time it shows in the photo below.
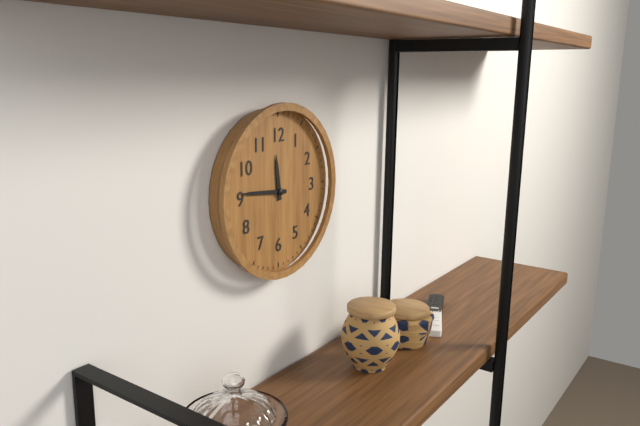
11:46
